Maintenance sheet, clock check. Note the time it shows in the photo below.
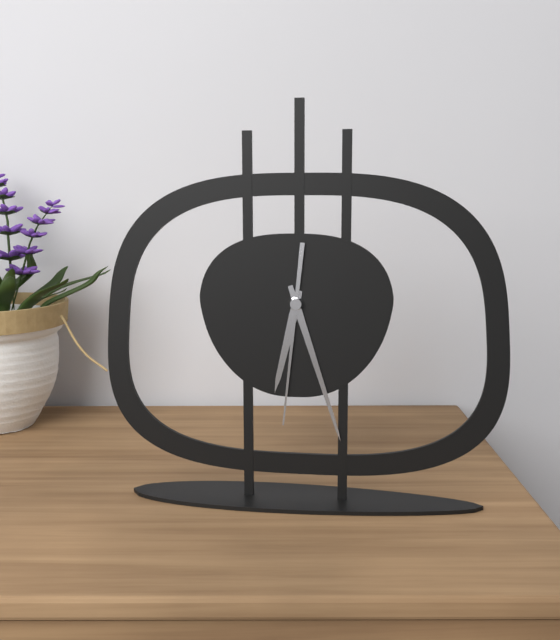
6:27:31
